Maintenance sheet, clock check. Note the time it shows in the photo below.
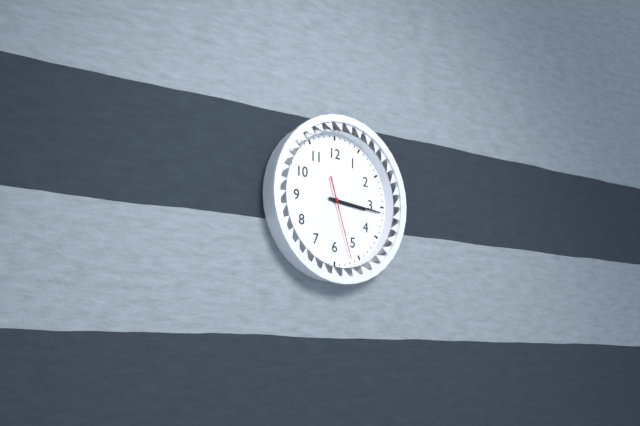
3:16:27
